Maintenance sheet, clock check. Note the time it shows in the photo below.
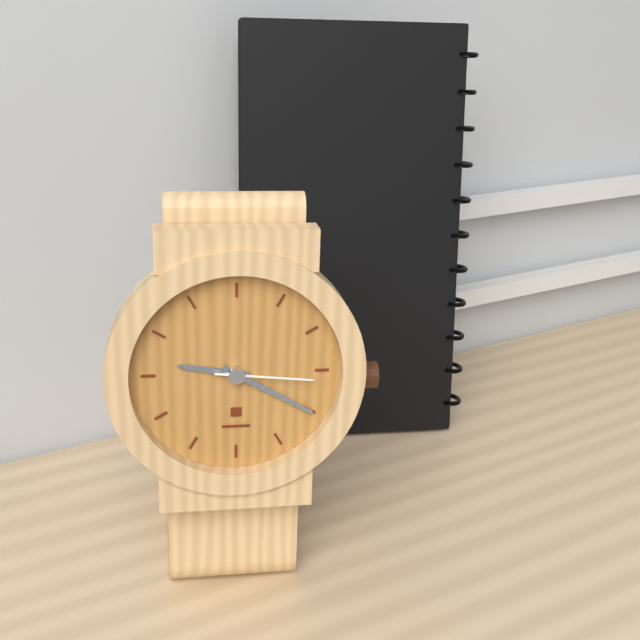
9:20:16
